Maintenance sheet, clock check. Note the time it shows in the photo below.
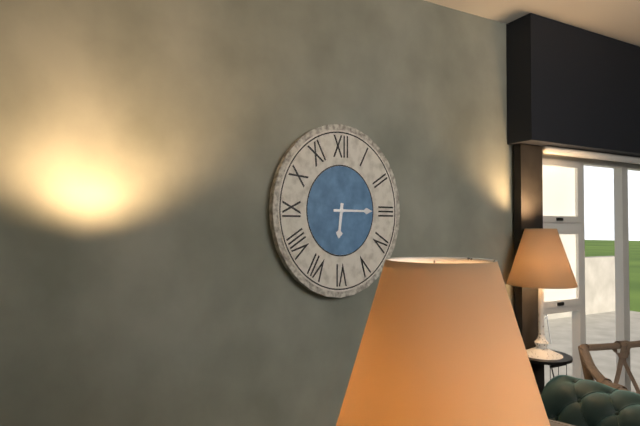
6:15
